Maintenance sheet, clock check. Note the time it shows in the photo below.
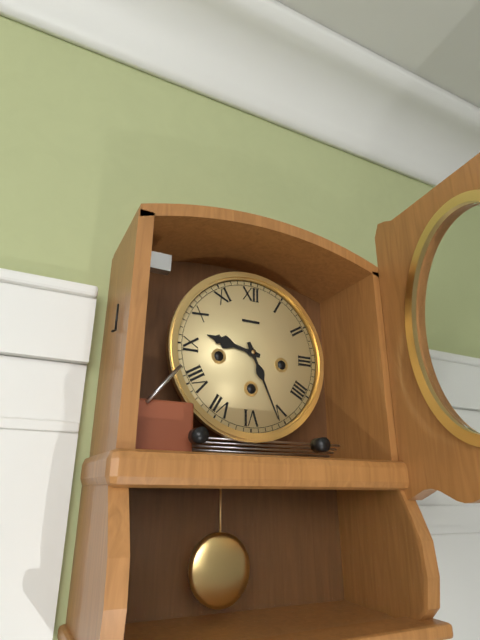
9:26
